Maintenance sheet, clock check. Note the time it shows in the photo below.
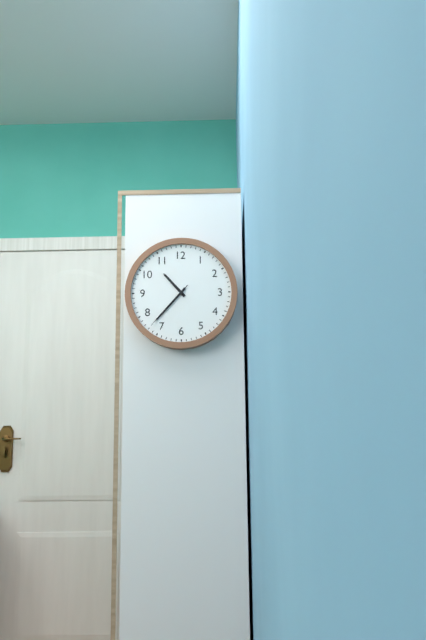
10:37:37
